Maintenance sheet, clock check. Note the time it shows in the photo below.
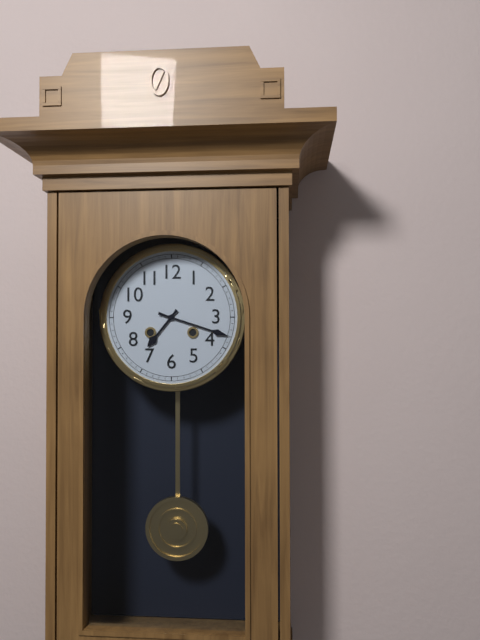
7:18
